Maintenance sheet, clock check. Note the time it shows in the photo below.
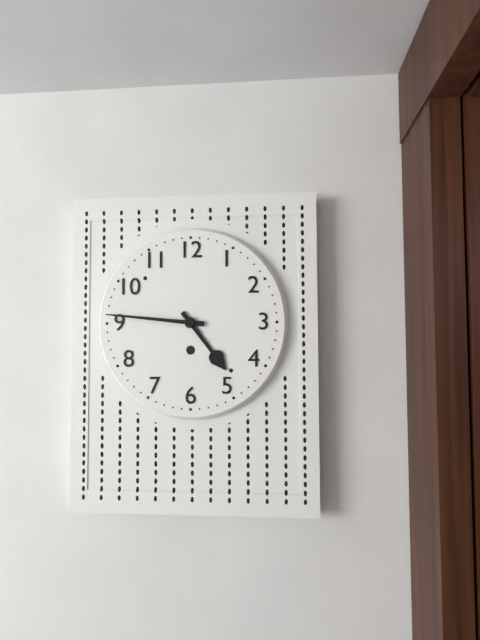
4:46
